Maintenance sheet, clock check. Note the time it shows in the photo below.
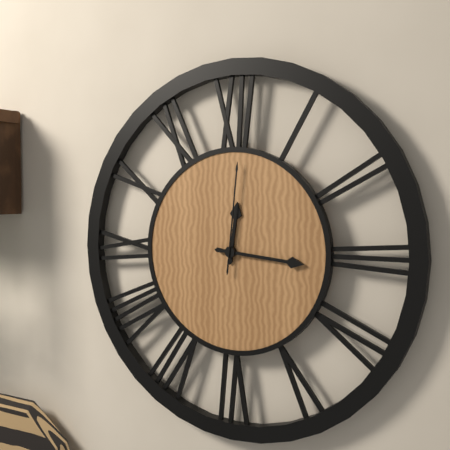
12:16:01
